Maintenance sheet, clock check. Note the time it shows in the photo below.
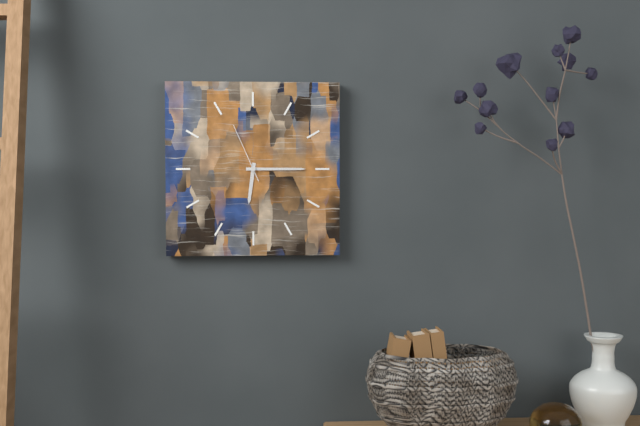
6:15:56
